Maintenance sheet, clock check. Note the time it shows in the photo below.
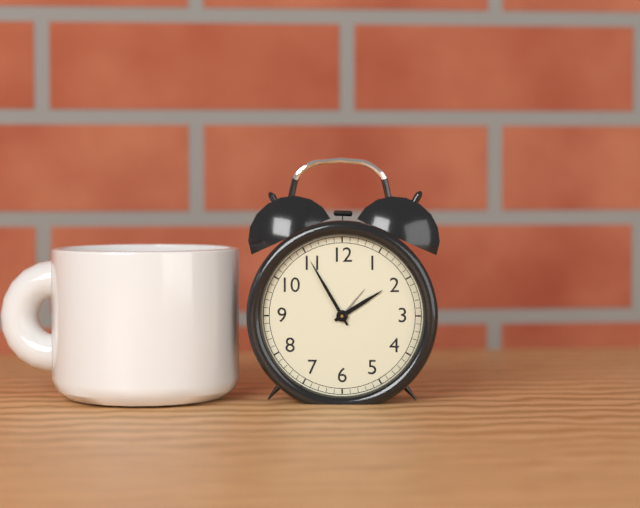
1:55
